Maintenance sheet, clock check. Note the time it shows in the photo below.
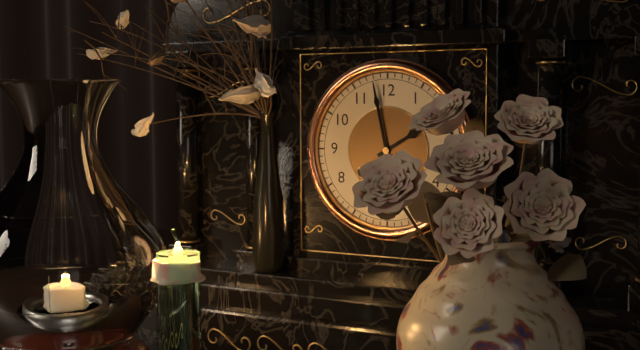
1:58
